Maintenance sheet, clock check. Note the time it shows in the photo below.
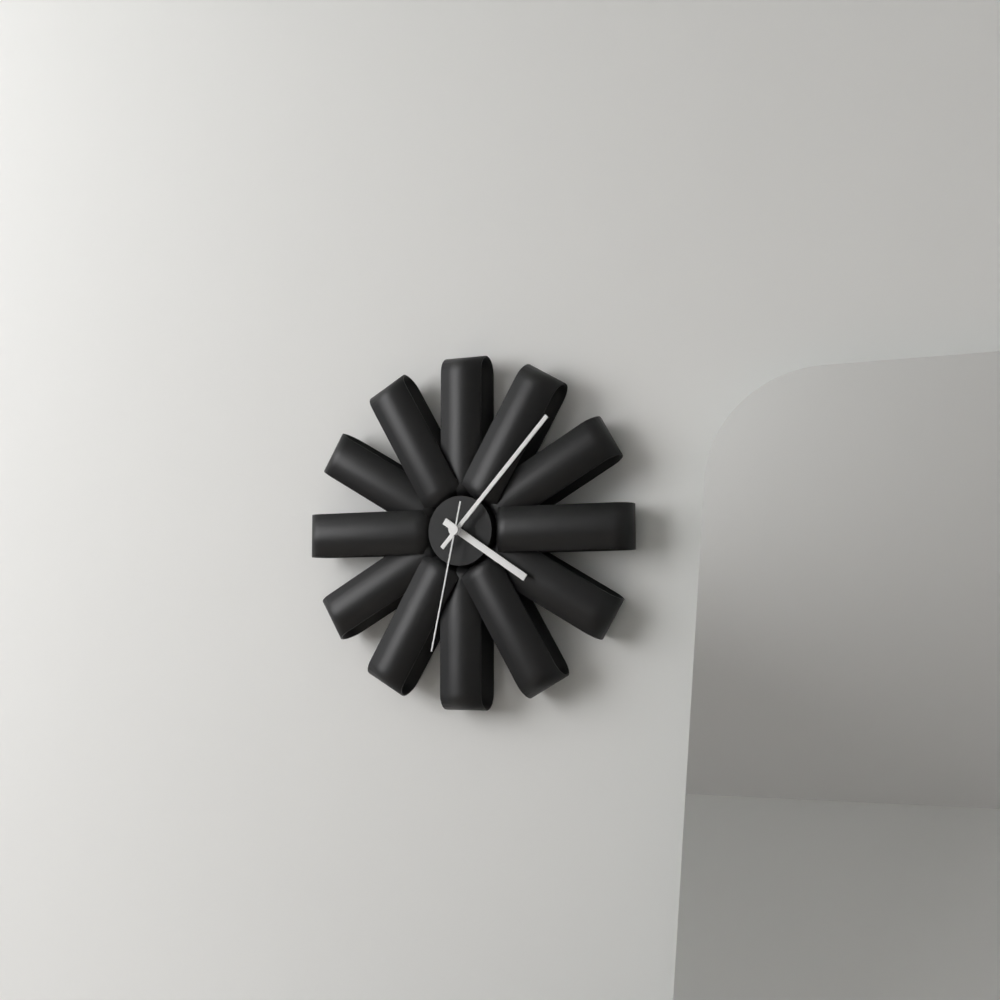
4:07:32
